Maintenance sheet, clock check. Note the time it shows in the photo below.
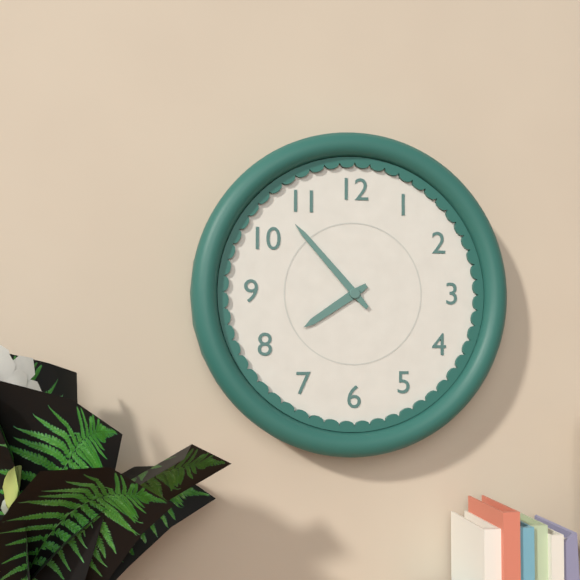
7:53
